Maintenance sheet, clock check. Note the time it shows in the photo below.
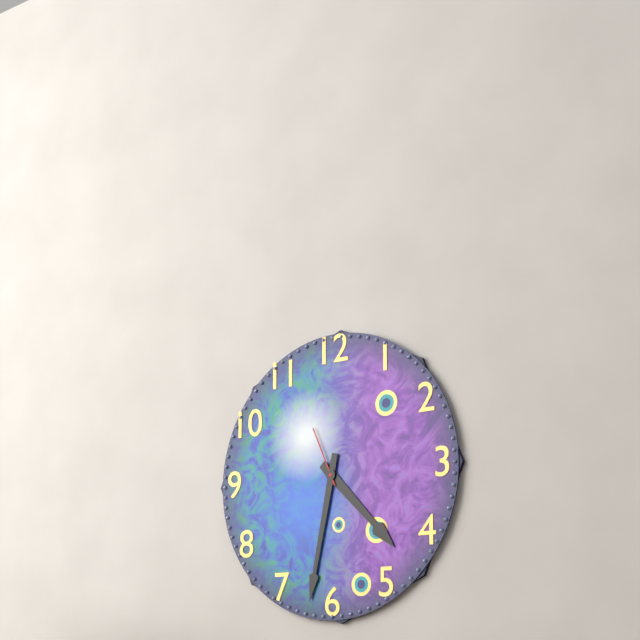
4:32:56
